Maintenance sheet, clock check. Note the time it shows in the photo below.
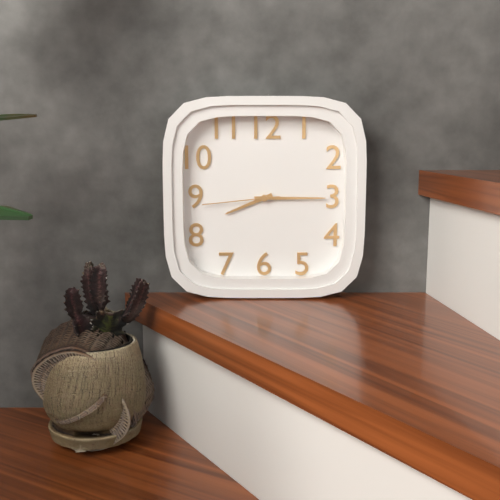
8:15:44
